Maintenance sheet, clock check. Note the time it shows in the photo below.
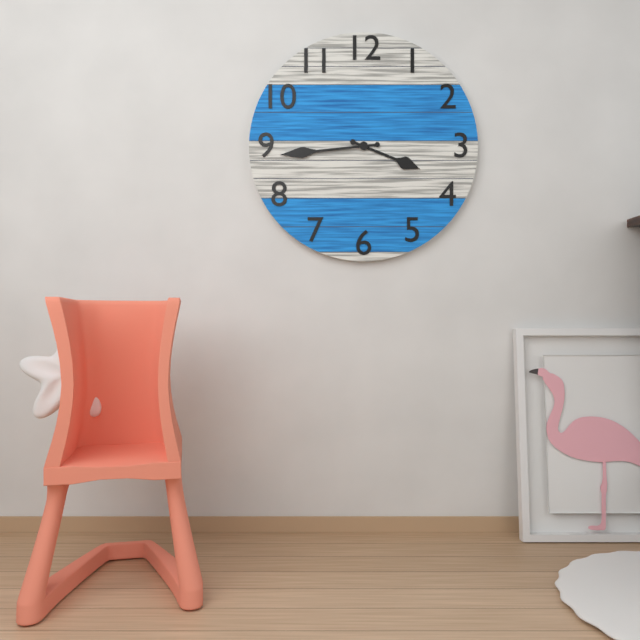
3:44
